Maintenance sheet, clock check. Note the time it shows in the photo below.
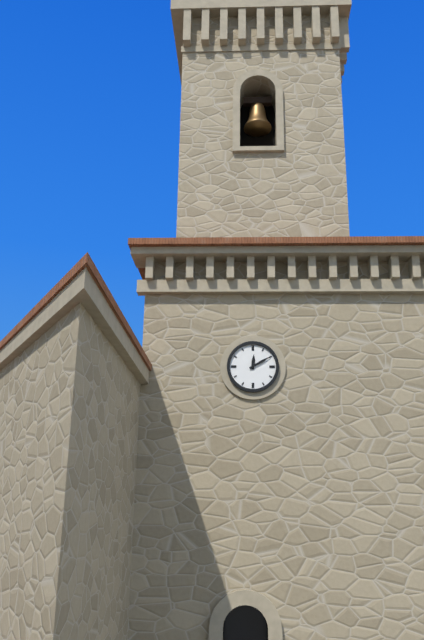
12:10
